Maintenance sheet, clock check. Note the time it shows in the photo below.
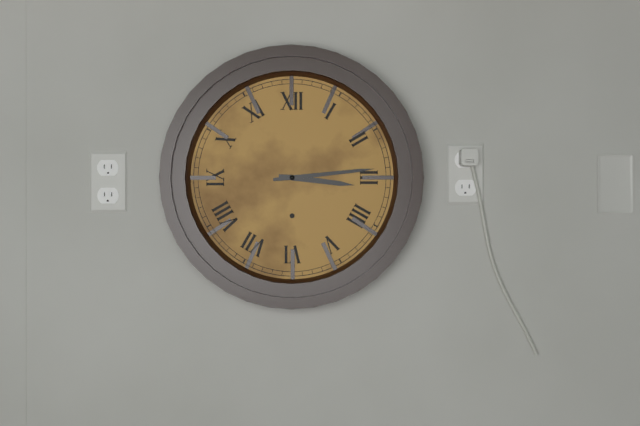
3:14
